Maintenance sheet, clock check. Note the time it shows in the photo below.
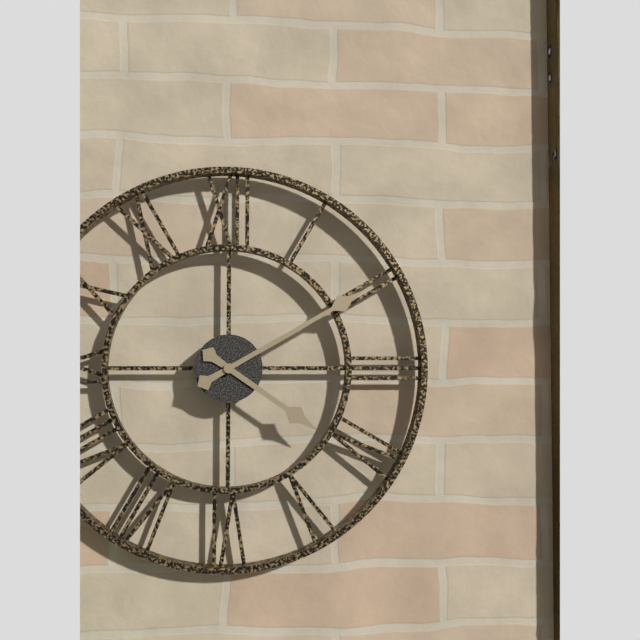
4:10
